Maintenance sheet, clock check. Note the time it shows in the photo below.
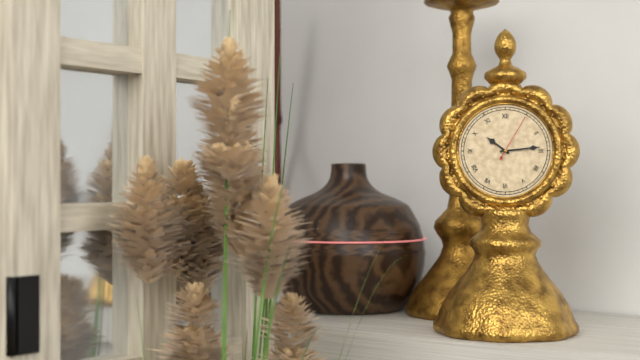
10:14:05
